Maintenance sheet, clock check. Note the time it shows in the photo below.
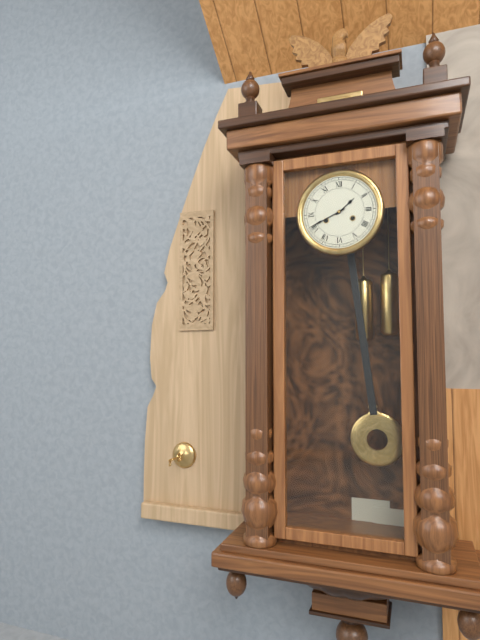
1:41
